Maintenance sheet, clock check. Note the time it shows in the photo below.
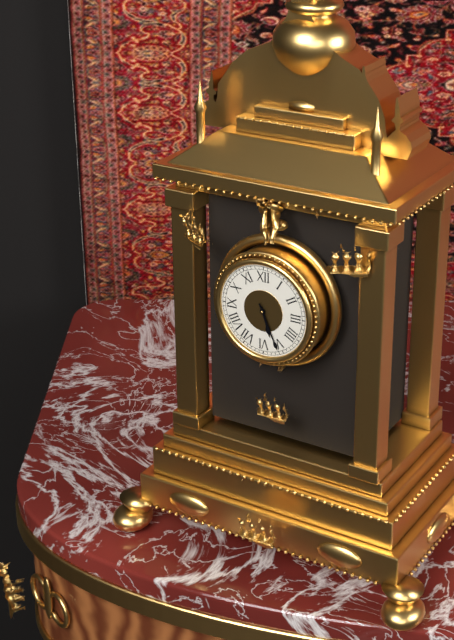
5:26
